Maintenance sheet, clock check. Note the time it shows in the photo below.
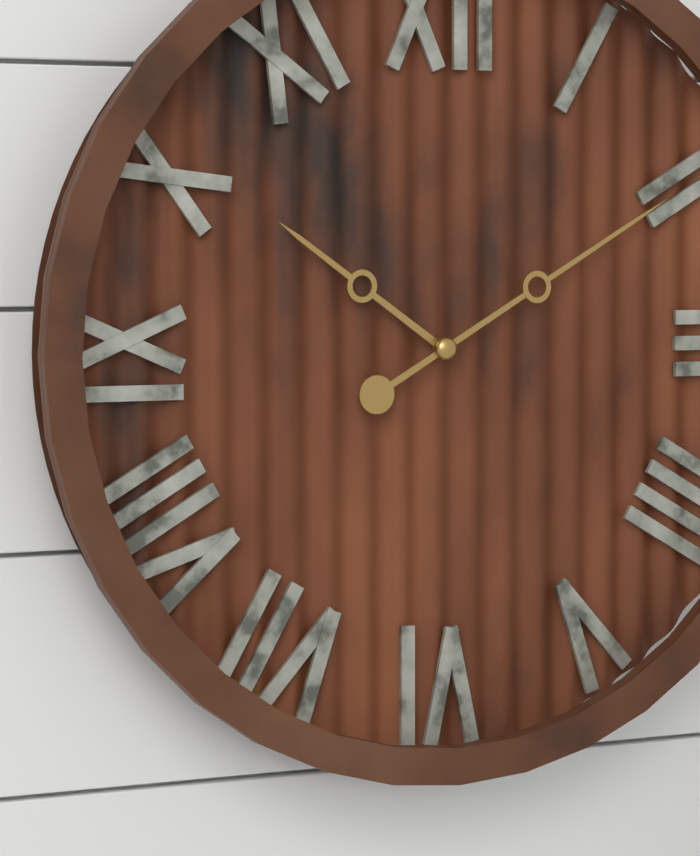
10:10
